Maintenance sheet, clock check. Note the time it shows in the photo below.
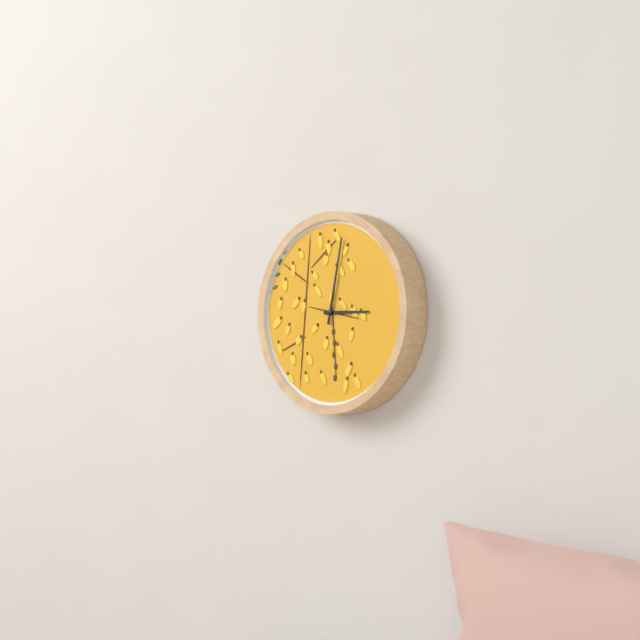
3:02
